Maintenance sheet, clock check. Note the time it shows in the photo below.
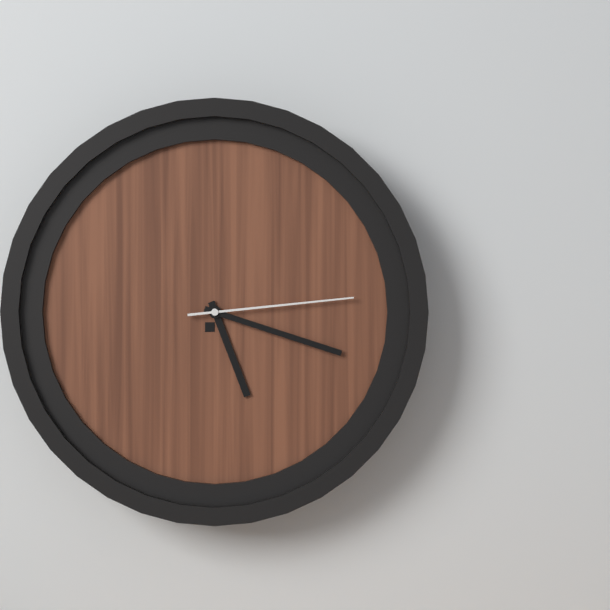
5:18:14
